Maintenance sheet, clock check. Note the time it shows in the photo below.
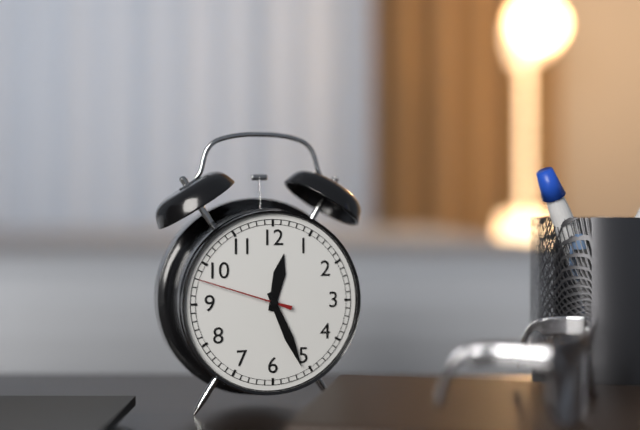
12:26:48
